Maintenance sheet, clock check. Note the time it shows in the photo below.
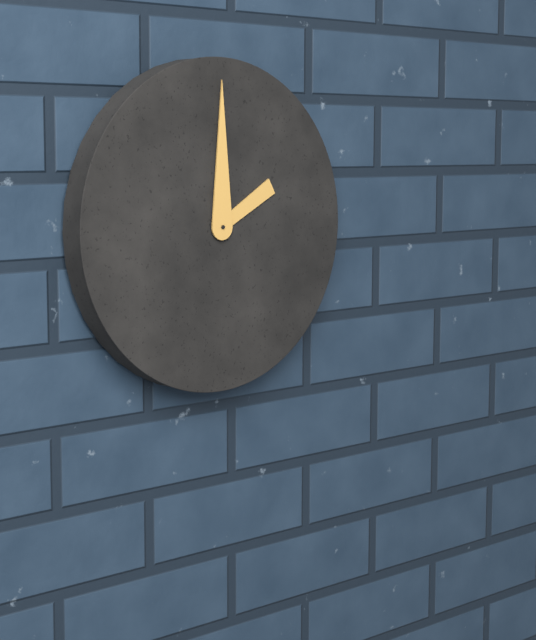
2:00
